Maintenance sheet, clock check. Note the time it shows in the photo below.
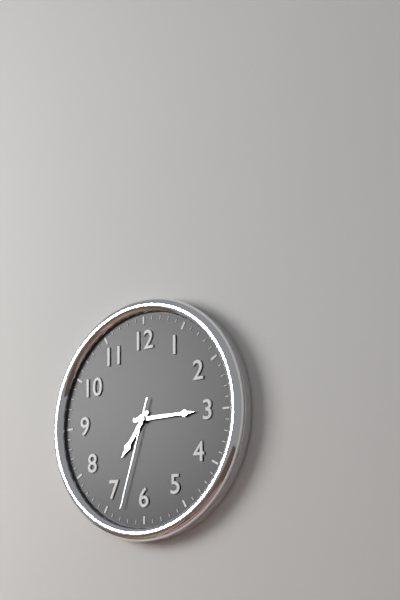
7:15:33
